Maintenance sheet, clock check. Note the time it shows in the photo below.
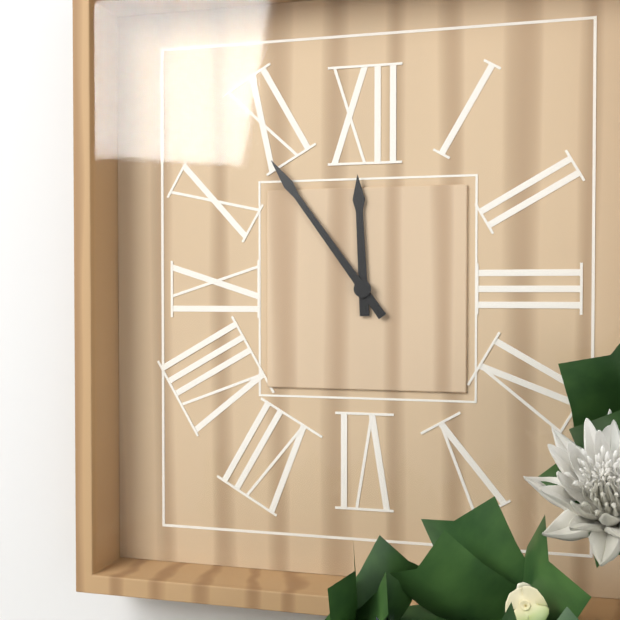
11:54
